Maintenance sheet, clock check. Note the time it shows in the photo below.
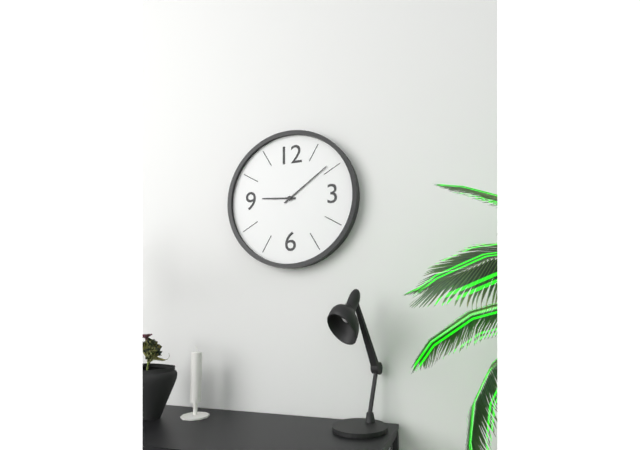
9:09
